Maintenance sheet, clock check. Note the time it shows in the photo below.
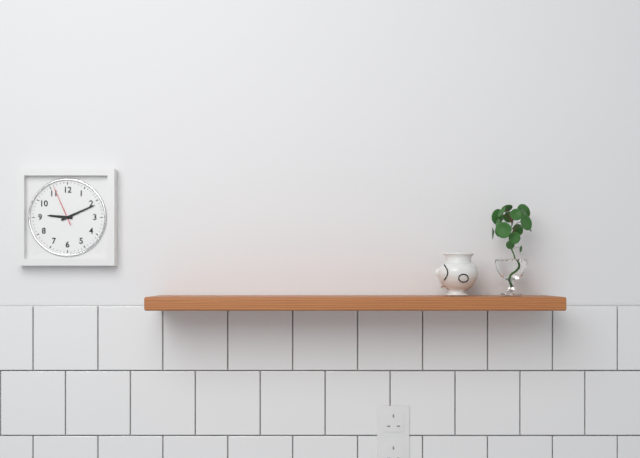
9:11
